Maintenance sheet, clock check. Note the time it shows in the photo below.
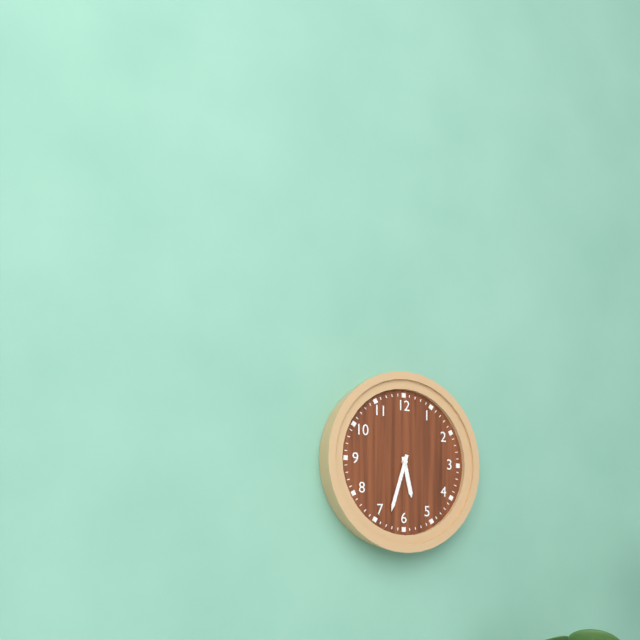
5:33
